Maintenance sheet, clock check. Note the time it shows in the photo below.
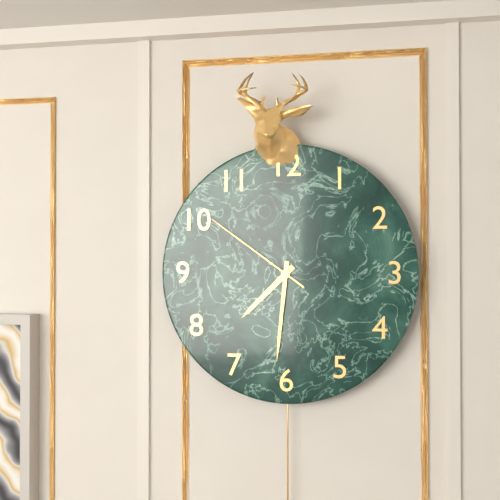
7:31:51
